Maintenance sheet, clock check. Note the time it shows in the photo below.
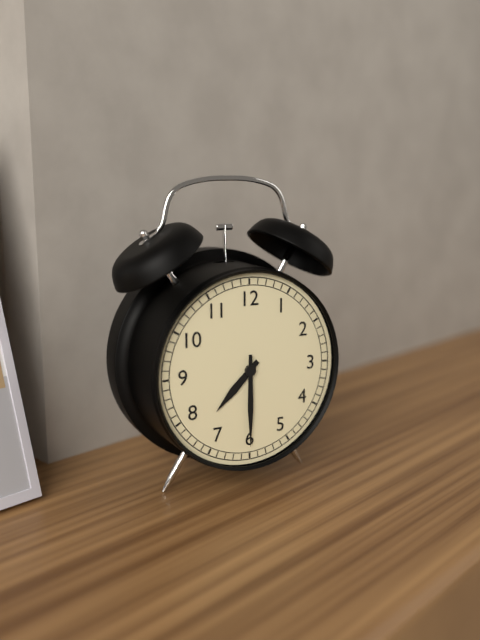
7:30
